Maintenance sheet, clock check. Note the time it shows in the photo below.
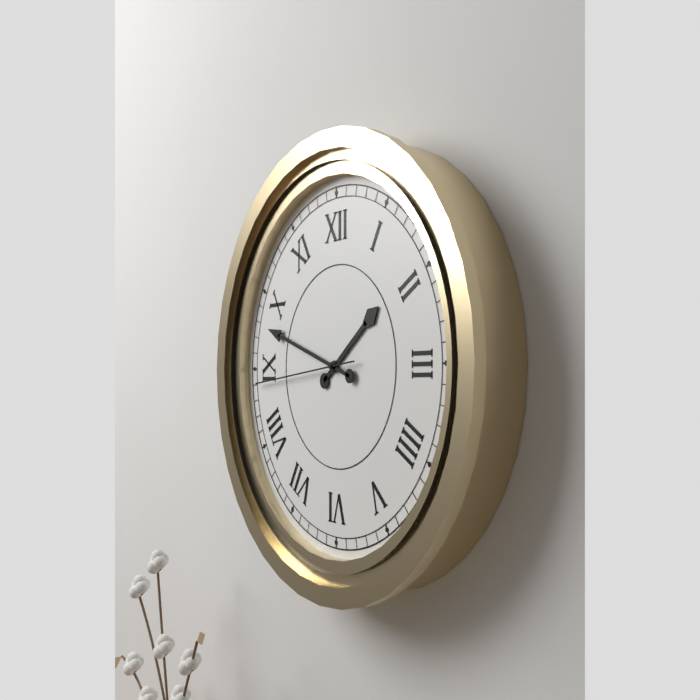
1:48:44
